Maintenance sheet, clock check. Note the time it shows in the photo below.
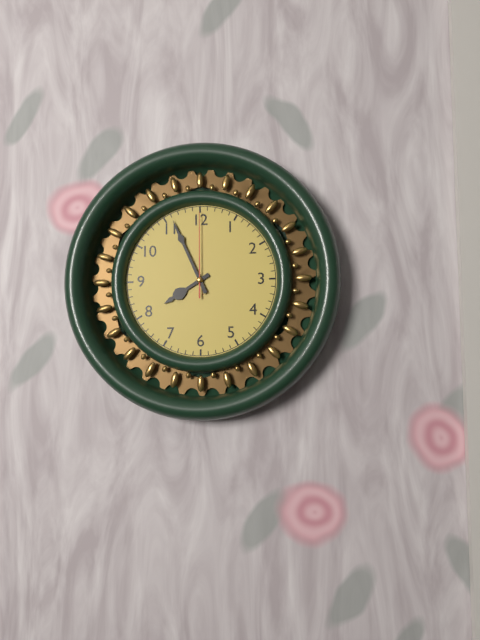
7:56:00
